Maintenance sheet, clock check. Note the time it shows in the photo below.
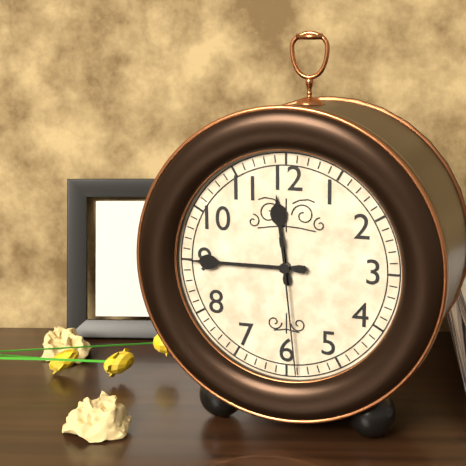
11:45:29
